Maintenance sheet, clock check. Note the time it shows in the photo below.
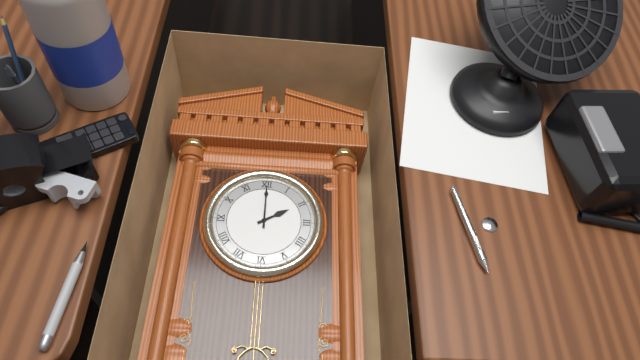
2:00
